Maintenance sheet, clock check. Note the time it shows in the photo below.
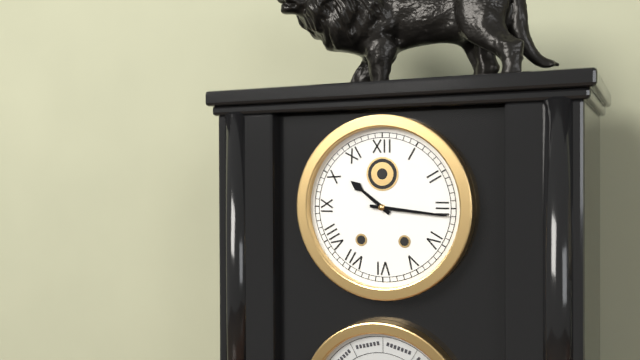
10:16
